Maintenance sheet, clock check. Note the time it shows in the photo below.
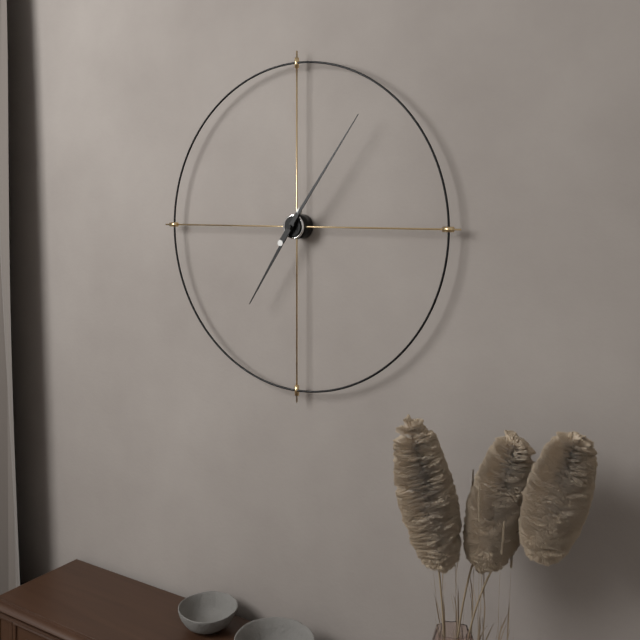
7:06
